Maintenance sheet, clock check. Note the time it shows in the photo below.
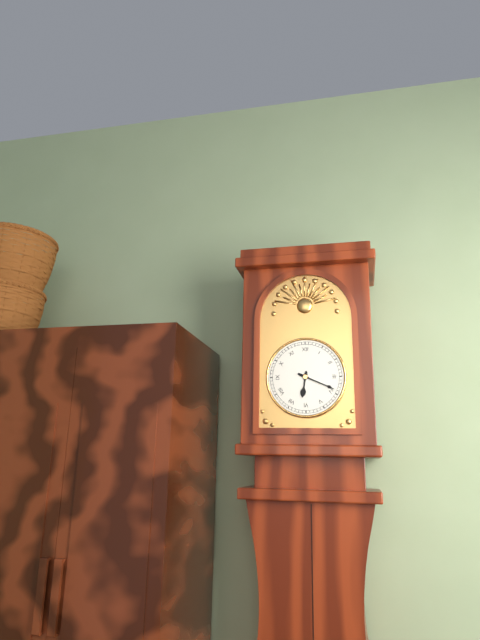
6:19
